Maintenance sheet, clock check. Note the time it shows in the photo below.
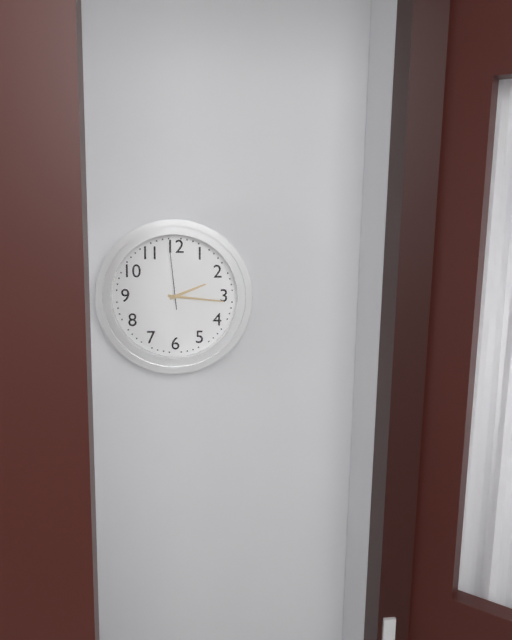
2:16:59
